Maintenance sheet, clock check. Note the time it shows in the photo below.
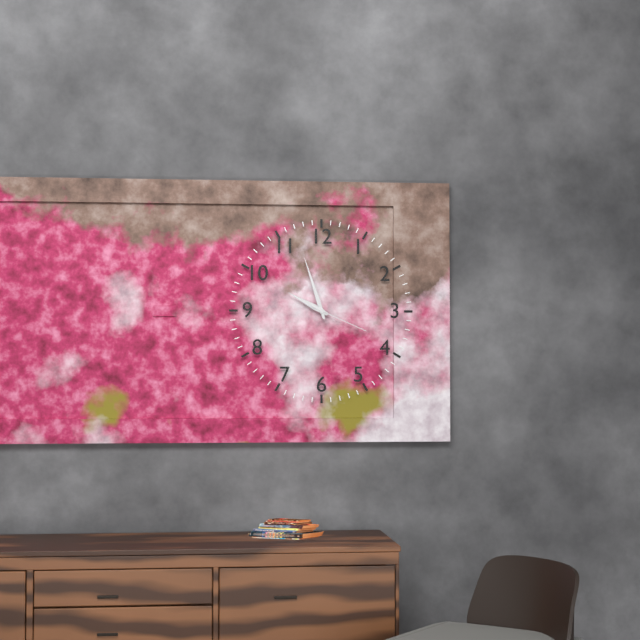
9:57:19
